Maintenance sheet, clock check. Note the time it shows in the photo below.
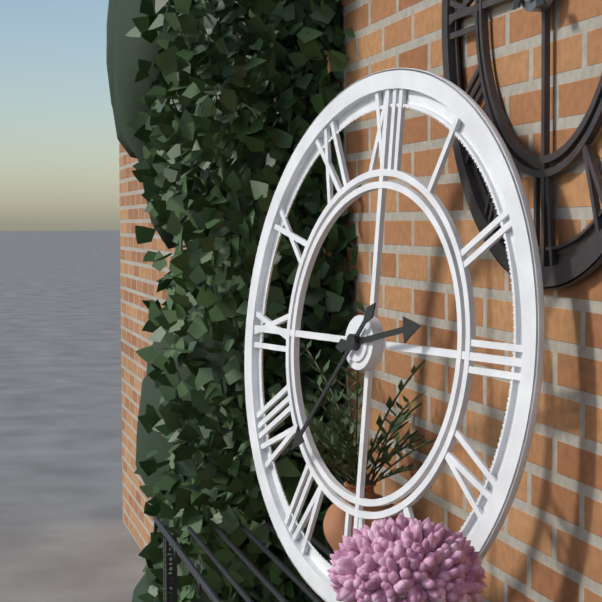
2:37
